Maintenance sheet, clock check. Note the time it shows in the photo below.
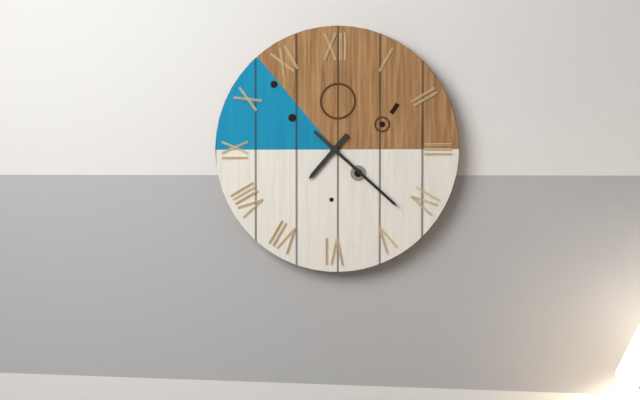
7:22
